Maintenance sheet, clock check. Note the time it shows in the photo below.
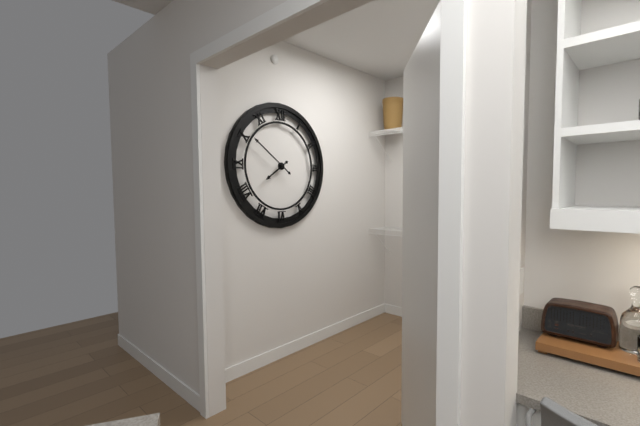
7:51
